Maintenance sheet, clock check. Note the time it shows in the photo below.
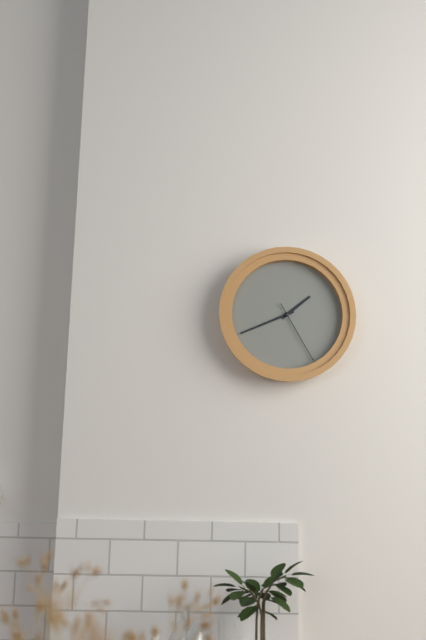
1:41:25
